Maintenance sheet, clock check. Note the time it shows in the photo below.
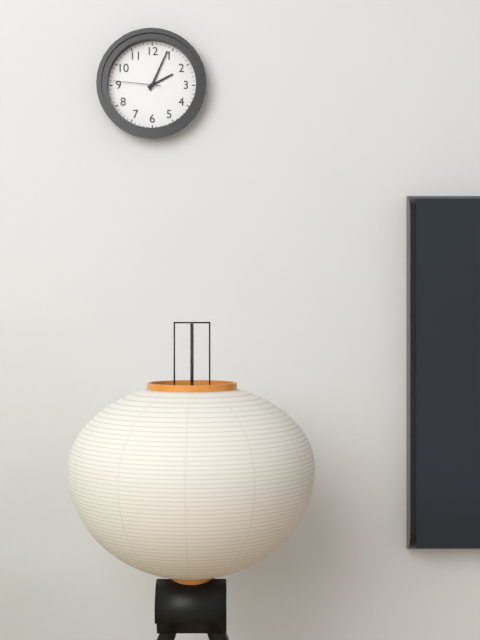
2:04
